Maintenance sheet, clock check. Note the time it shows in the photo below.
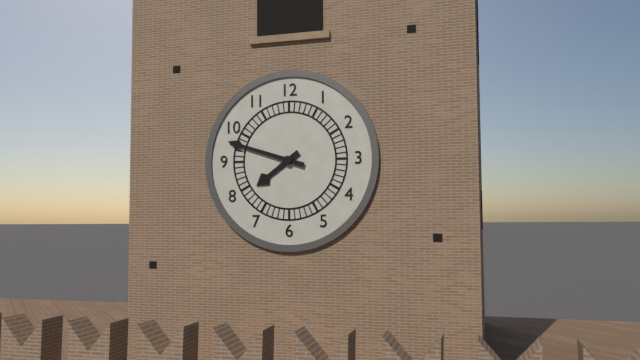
7:48
